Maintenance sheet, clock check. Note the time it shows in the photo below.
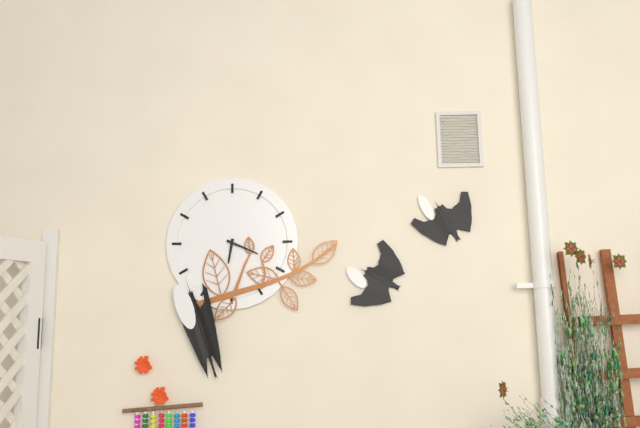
6:19
